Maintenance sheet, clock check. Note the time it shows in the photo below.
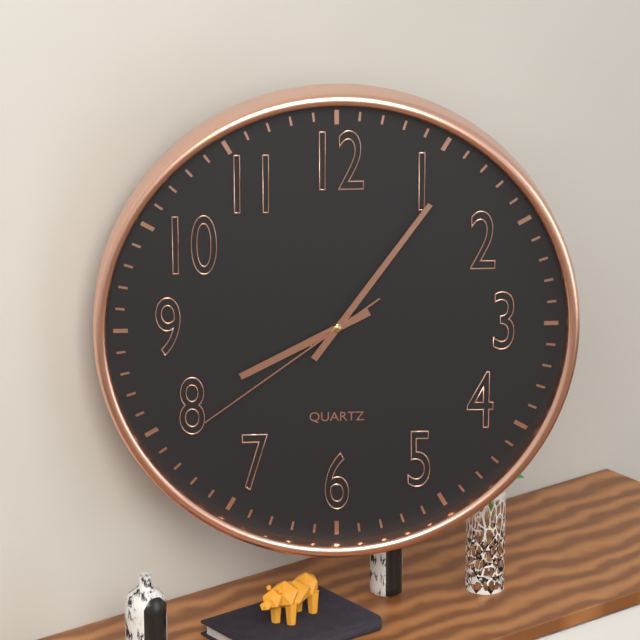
8:06:39
